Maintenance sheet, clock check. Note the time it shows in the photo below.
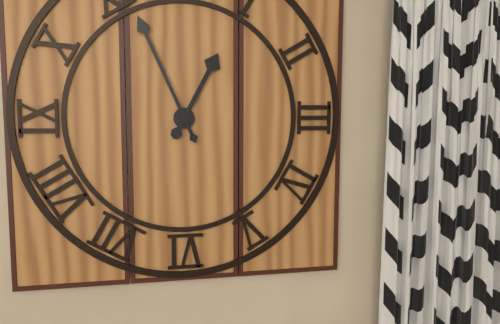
12:56
